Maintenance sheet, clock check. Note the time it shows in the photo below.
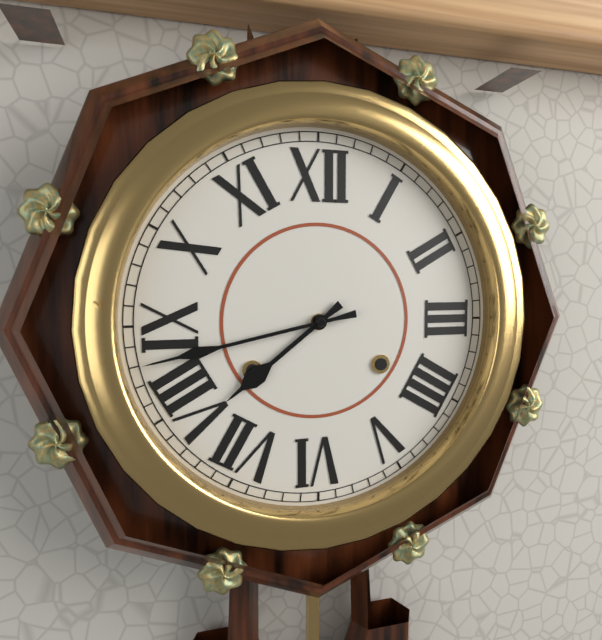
7:43
